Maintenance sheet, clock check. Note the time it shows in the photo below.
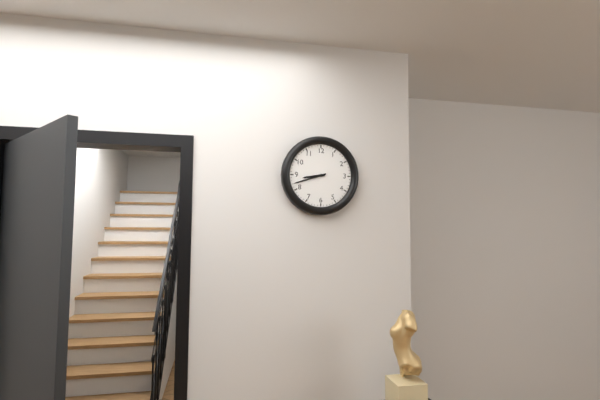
8:42
